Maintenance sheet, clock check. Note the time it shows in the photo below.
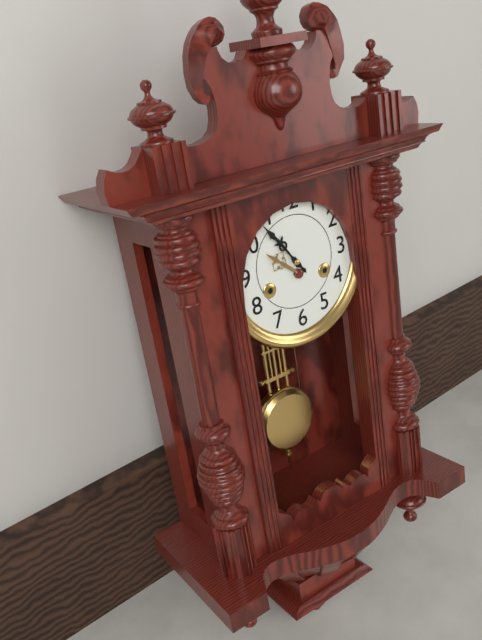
10:54
